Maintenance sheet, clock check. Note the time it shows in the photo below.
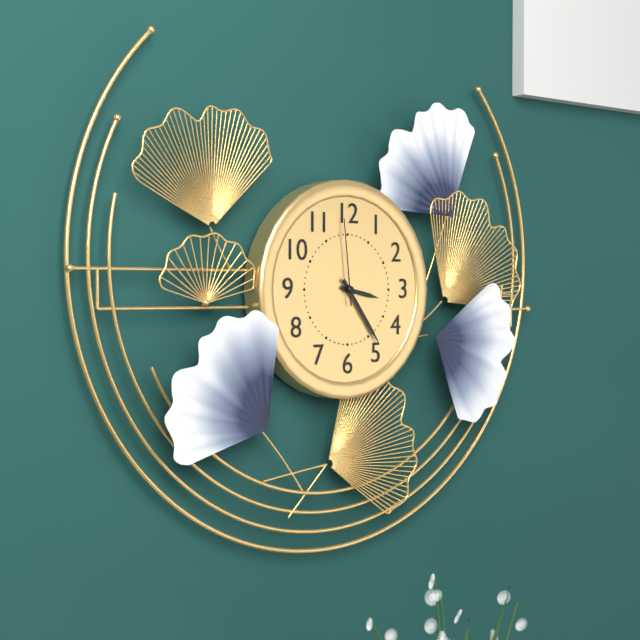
3:24:59
